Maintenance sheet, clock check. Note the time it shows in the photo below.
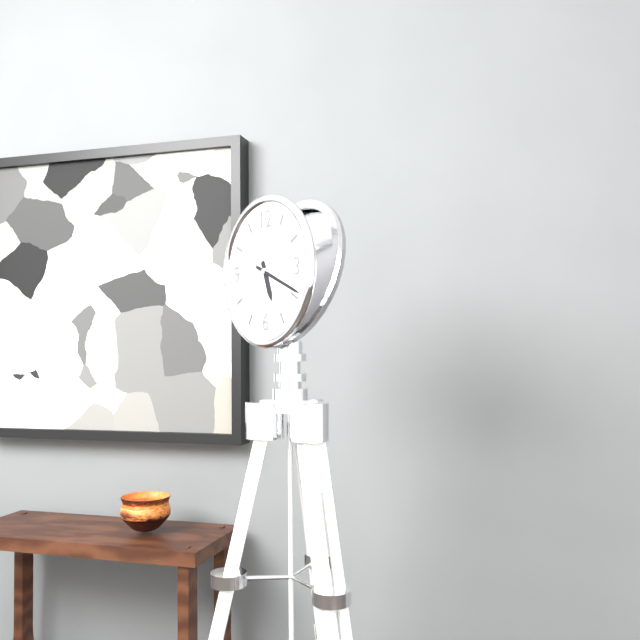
5:19
